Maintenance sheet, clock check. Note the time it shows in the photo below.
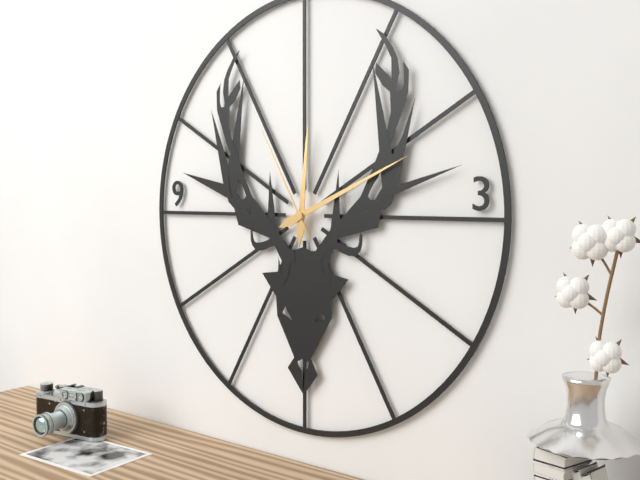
12:11:55
